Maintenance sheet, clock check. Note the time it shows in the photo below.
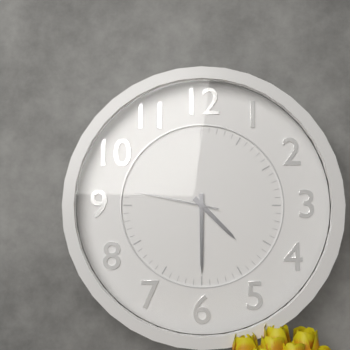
4:30:47
